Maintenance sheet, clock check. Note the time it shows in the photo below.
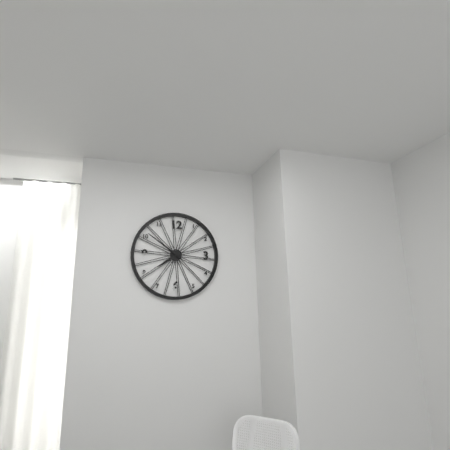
7:51
